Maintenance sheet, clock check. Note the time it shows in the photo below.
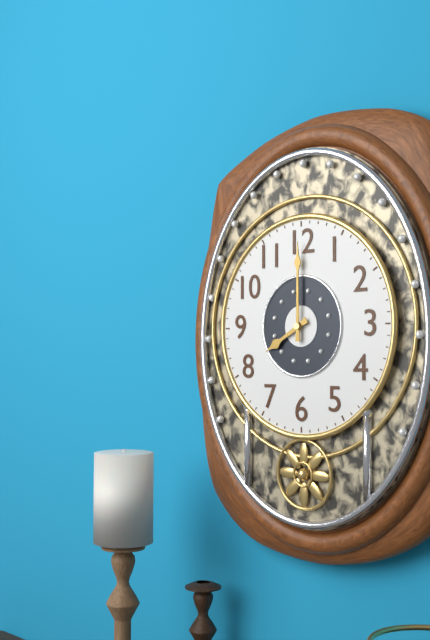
8:00
